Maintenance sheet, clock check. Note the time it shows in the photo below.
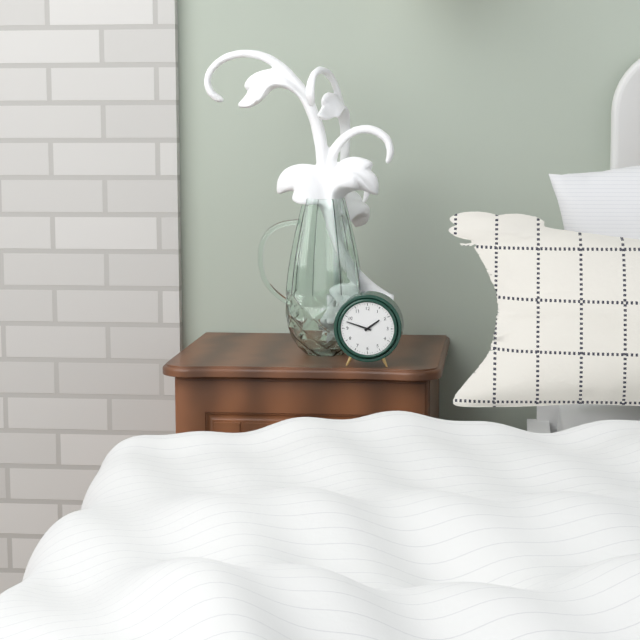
1:48
